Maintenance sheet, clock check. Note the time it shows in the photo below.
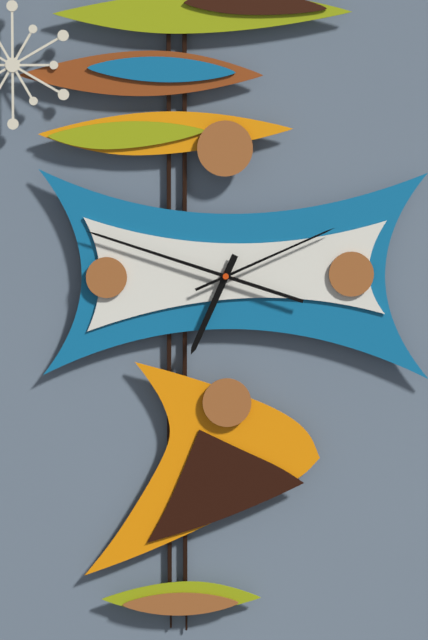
6:48:11
